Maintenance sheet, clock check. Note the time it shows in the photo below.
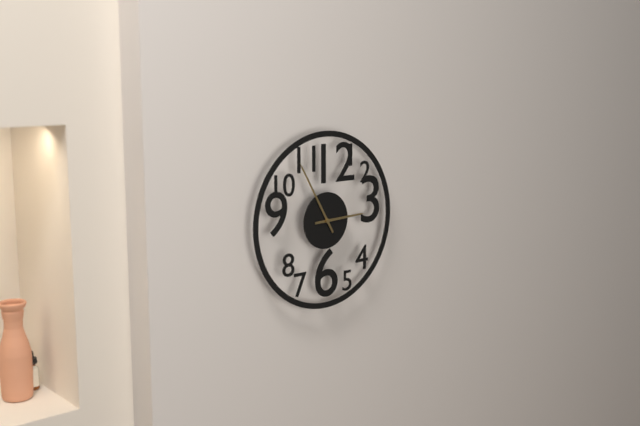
2:55
